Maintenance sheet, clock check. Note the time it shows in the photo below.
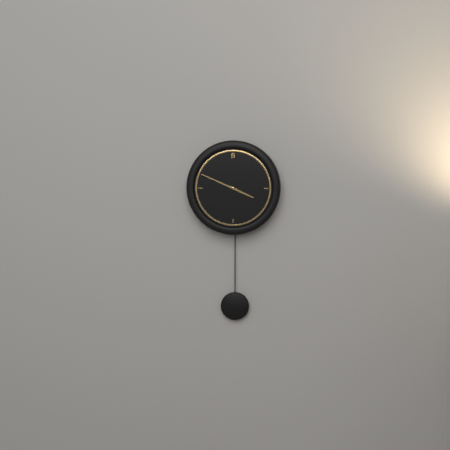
3:49
